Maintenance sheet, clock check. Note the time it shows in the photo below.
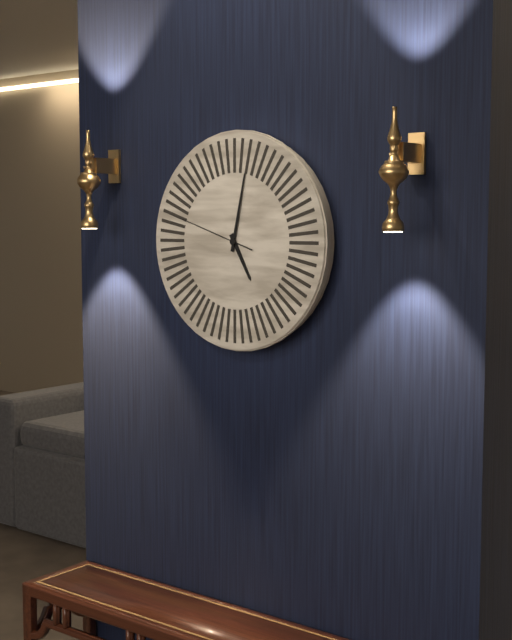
5:02:48
